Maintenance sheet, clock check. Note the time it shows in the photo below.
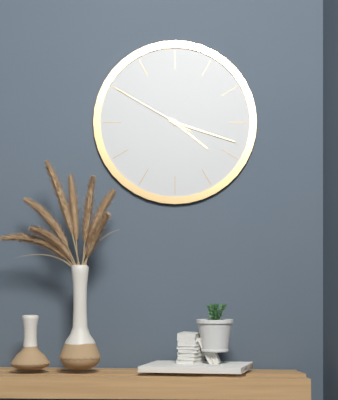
4:18:50
